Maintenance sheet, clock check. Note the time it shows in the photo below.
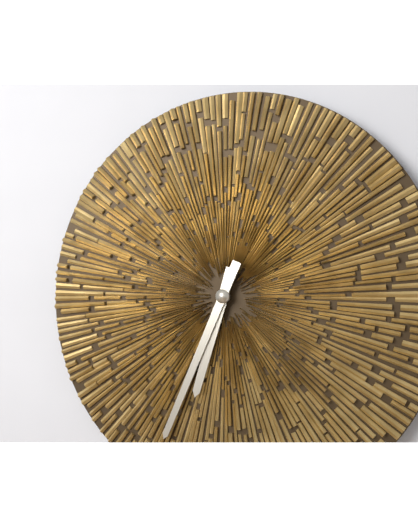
6:34
